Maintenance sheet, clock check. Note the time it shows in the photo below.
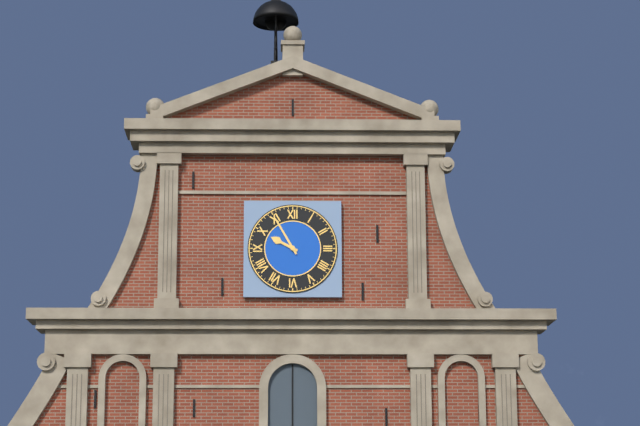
9:55
